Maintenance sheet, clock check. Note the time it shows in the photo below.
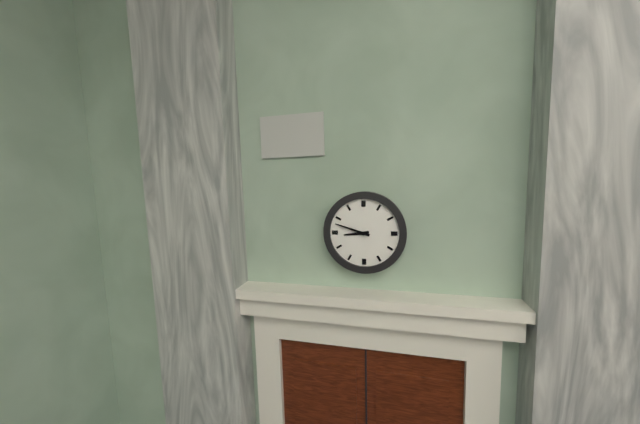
8:48
